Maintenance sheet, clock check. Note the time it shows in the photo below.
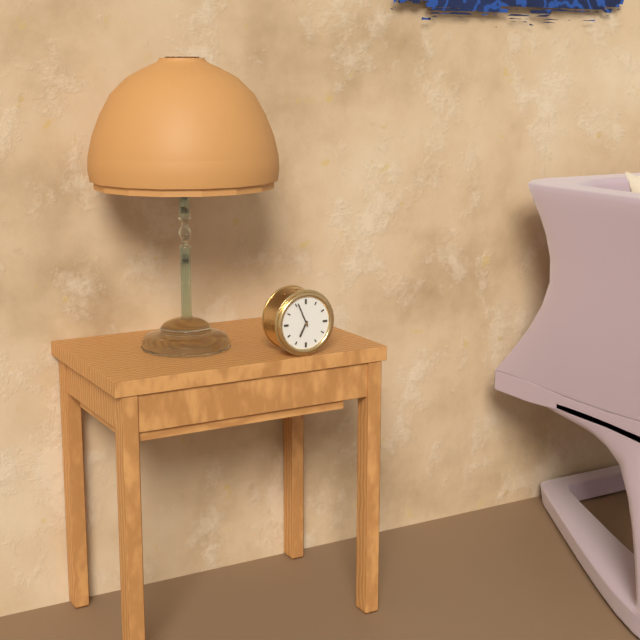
6:56
